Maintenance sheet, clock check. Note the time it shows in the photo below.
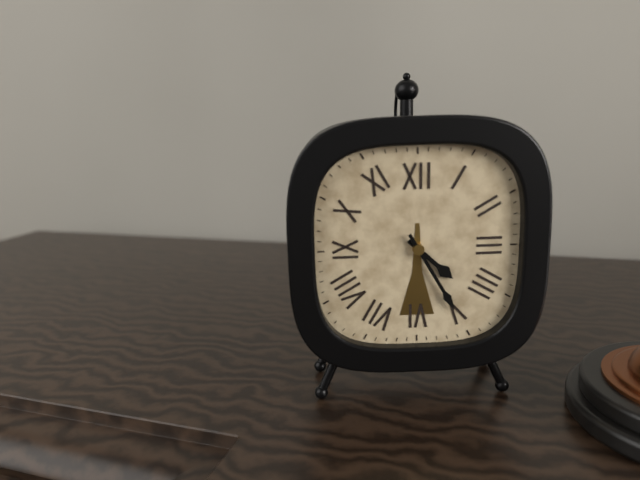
4:25
